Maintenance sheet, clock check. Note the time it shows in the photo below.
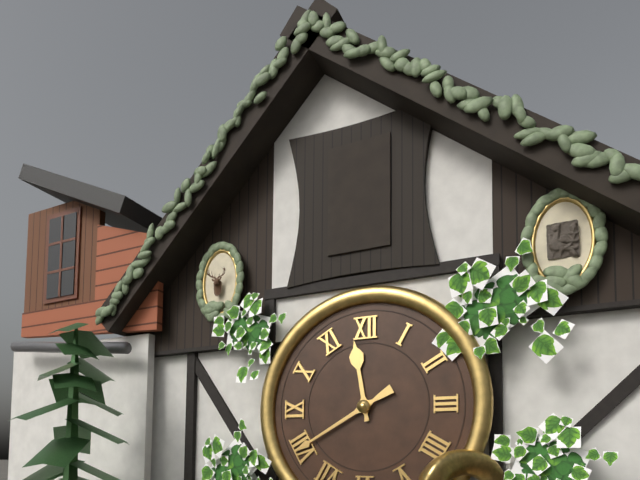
11:40
